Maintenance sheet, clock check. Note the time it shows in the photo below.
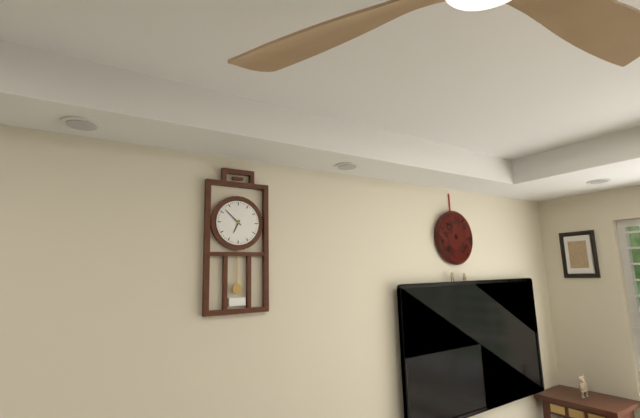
6:52
